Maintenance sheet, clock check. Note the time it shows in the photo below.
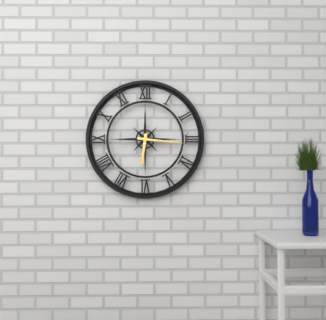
6:16
